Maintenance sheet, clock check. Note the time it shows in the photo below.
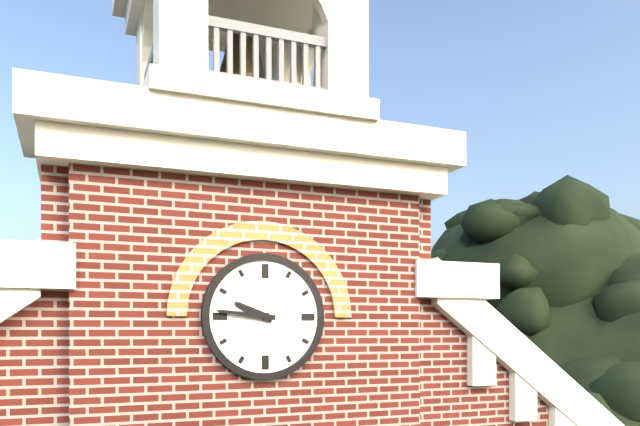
9:46
